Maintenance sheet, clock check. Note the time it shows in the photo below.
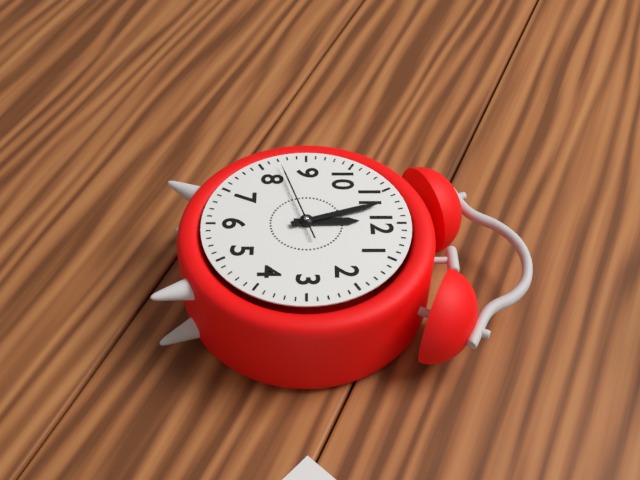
11:57:42
